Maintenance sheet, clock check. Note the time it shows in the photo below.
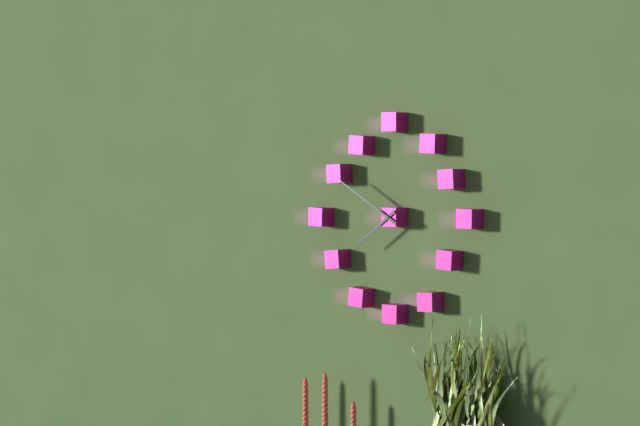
7:50
